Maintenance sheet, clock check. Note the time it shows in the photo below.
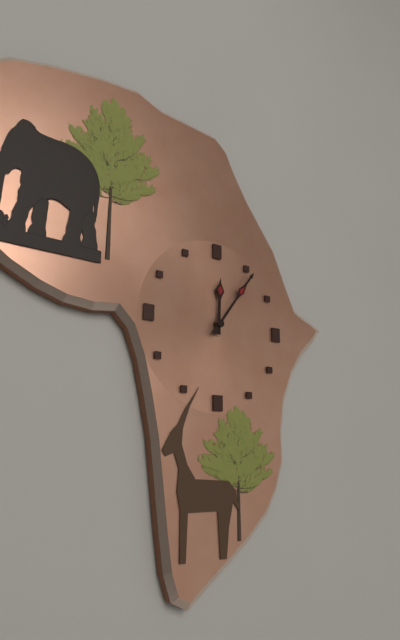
12:06
